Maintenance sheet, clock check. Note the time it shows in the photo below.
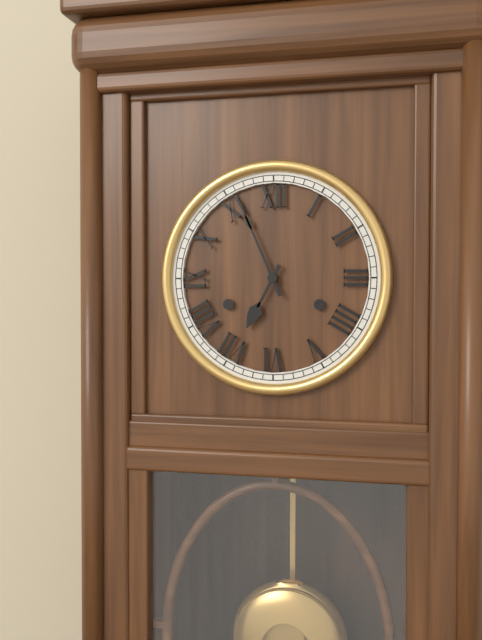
6:56
